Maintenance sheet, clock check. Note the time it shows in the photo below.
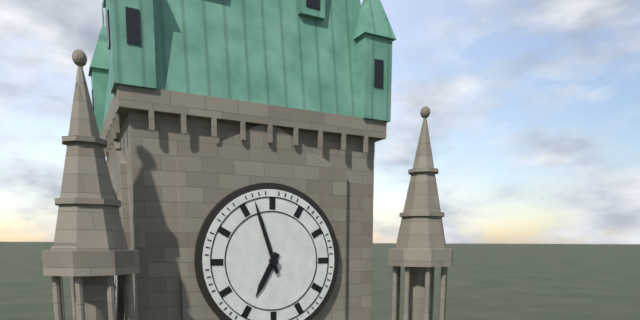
6:57
